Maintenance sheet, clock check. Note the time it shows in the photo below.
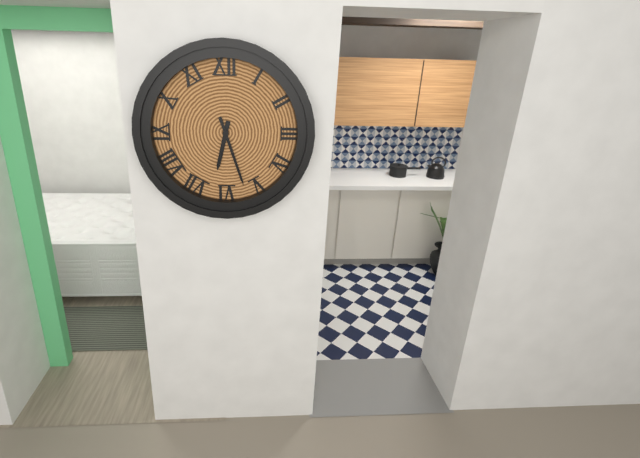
6:27
